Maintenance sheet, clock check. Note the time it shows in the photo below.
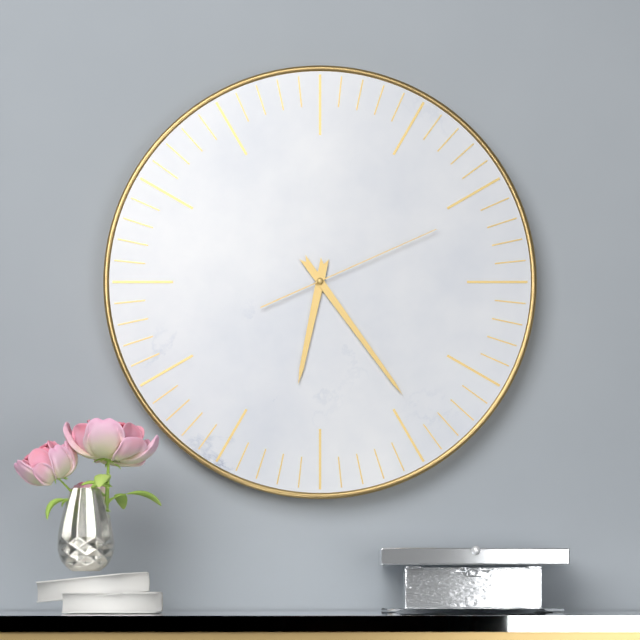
6:24:11
